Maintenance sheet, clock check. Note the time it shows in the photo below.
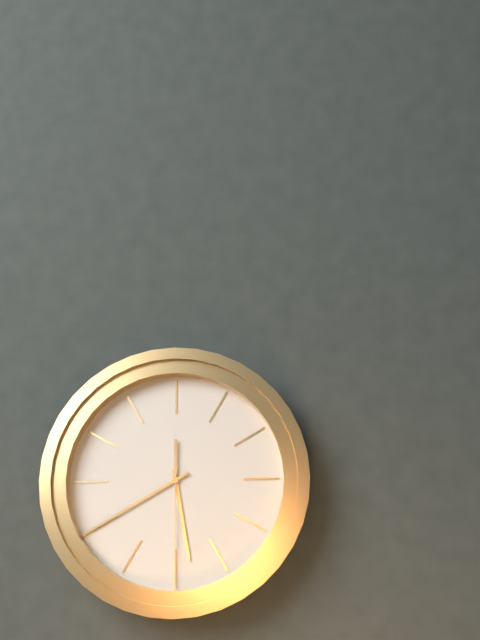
5:40:30
